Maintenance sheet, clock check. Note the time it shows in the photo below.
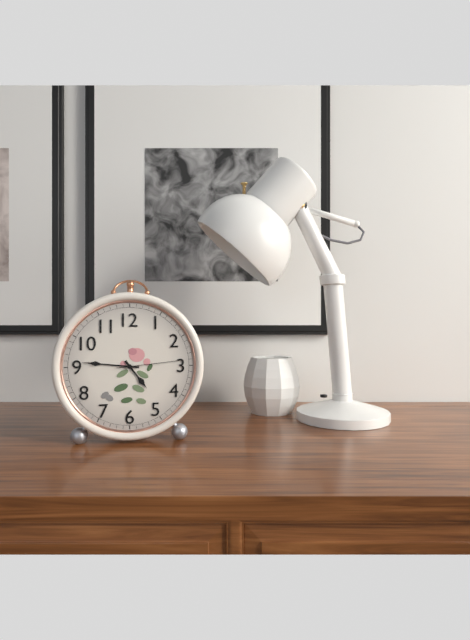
4:46:14
